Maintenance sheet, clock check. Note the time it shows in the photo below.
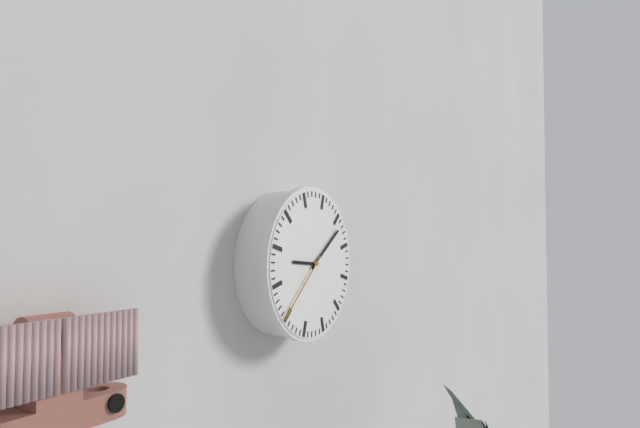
9:09:38
